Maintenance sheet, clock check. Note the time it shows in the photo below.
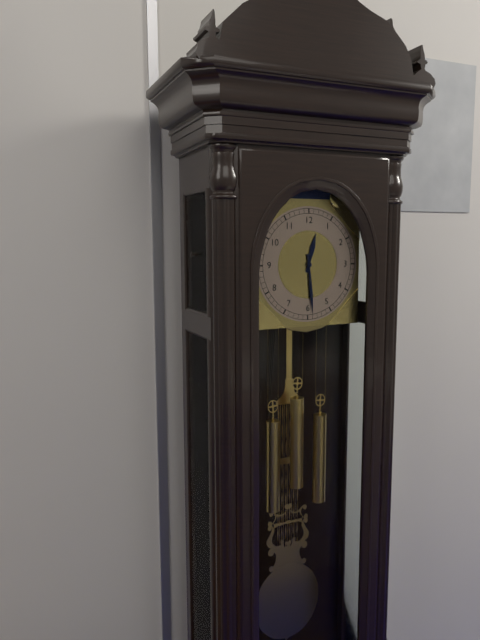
12:29
